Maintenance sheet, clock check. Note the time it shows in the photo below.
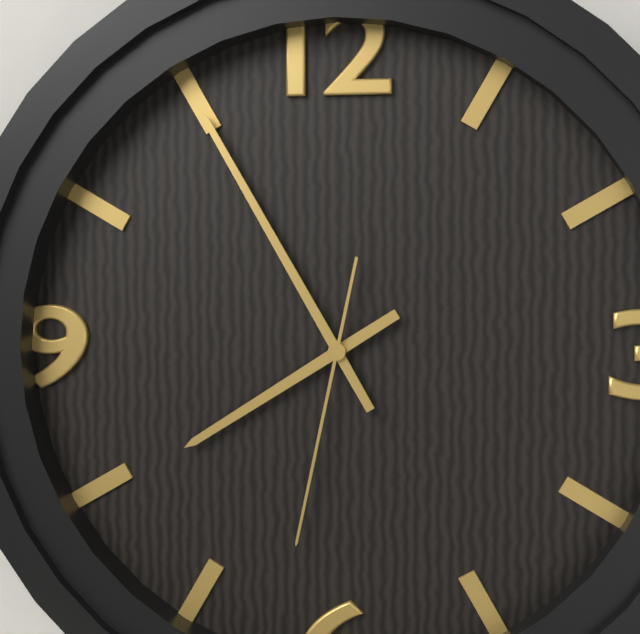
7:55:32
